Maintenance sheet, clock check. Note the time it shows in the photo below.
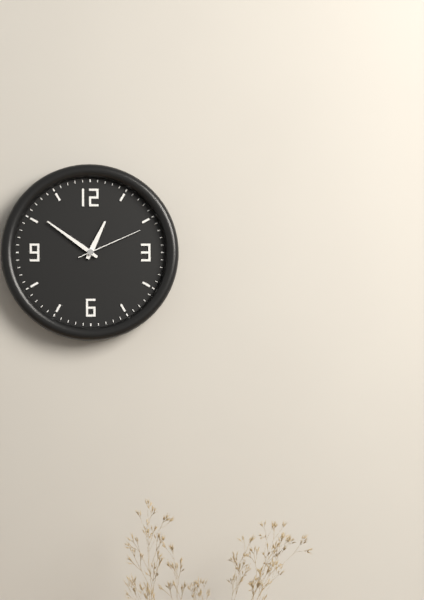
12:51:11
